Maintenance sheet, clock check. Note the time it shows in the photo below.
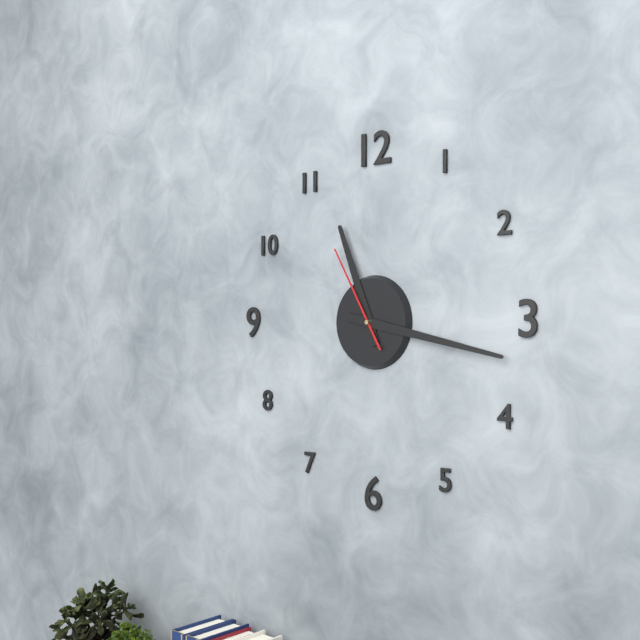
11:17:55
